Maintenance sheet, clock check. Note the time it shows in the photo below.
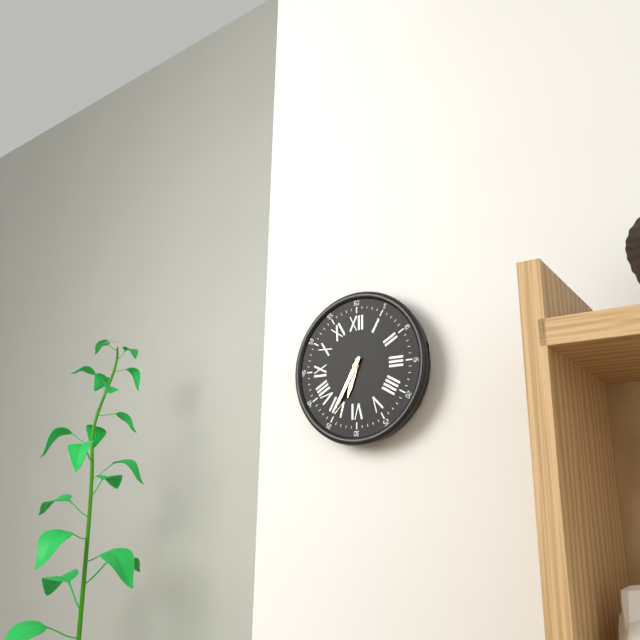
6:35
